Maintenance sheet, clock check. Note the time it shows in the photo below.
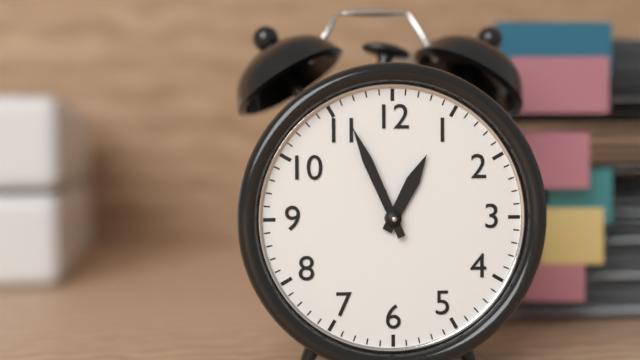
12:56
